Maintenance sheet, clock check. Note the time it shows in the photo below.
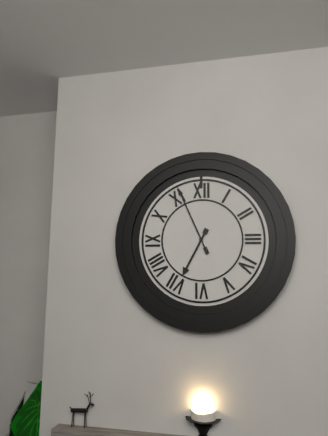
6:56
